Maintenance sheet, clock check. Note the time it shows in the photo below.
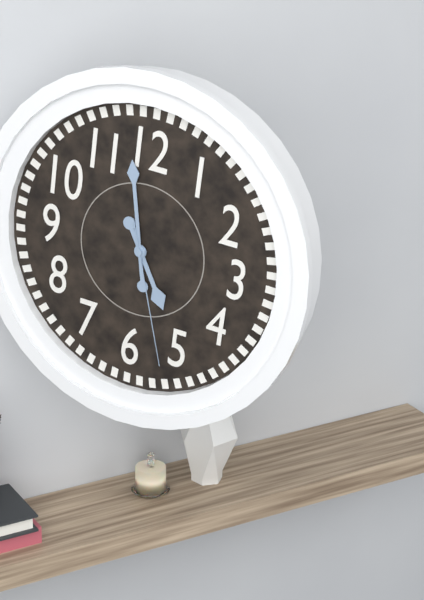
4:58:27
